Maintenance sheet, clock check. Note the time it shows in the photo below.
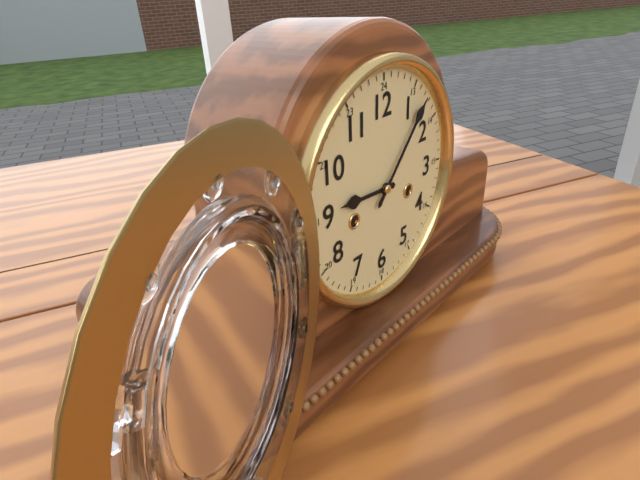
9:07
